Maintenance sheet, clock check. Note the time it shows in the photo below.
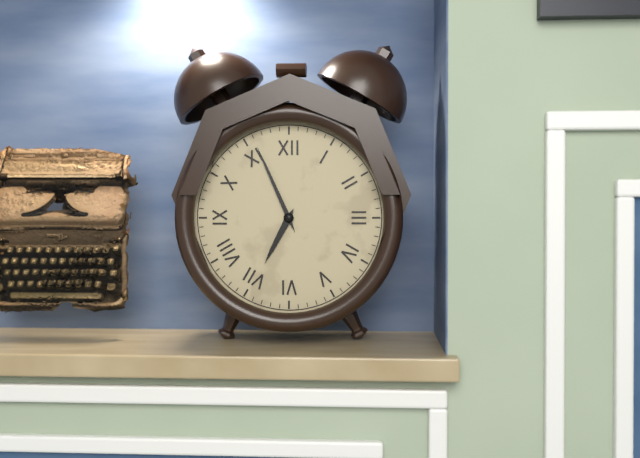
6:56
